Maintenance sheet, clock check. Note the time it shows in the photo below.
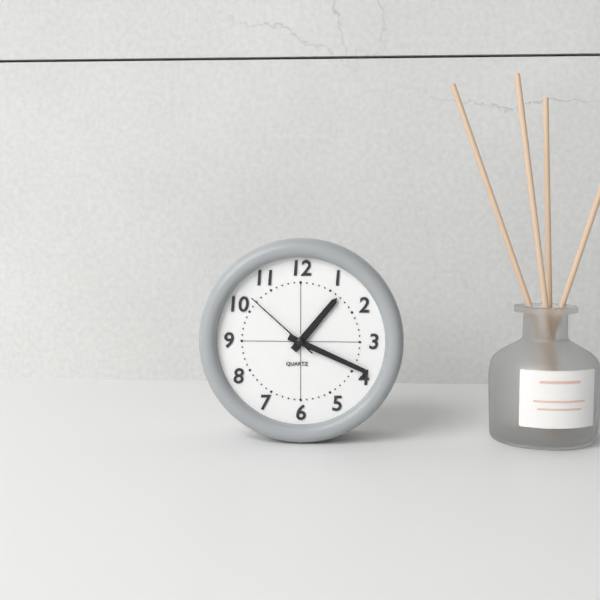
1:19:52
